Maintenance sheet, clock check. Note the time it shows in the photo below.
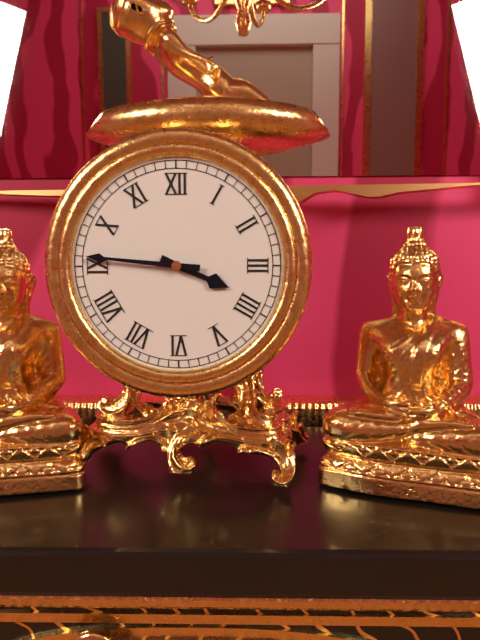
3:46
